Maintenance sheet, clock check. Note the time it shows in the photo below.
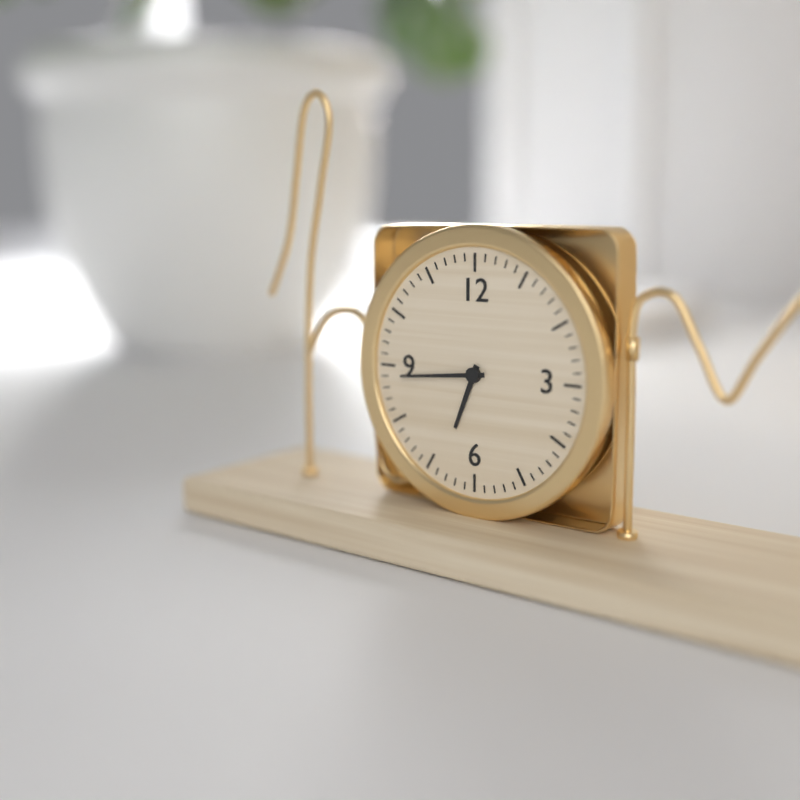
6:44
